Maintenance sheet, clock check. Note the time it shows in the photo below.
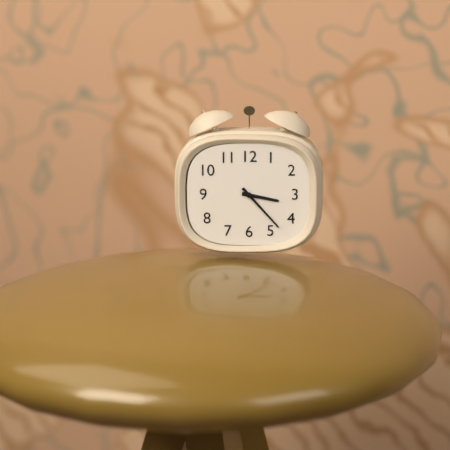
3:23
